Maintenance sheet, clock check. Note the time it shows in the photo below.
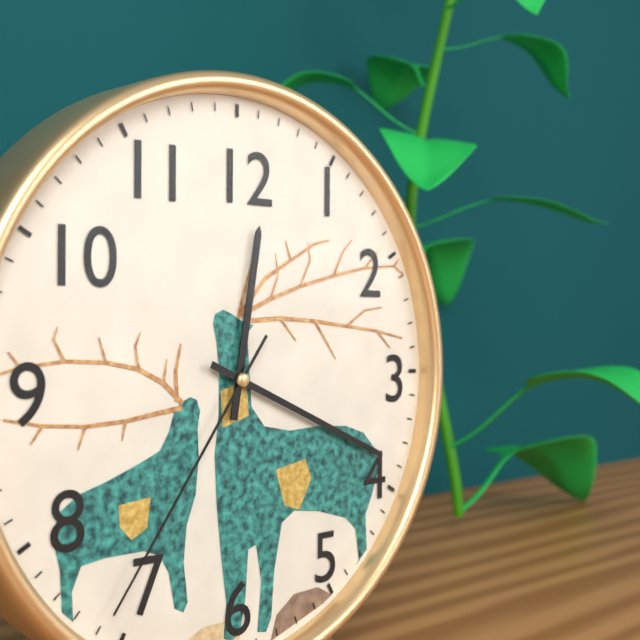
12:19:36
